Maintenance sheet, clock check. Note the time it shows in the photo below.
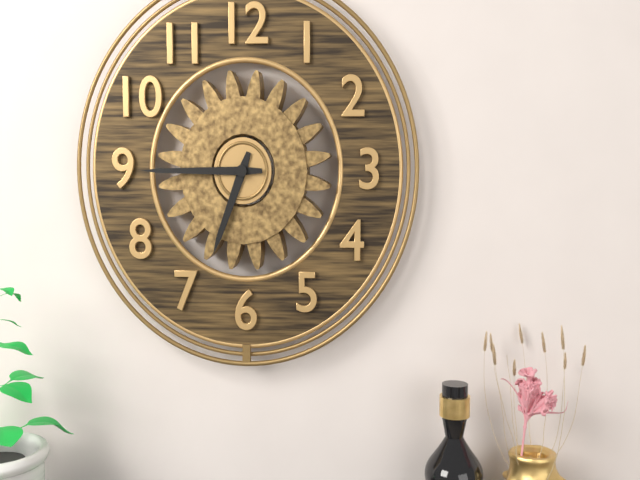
6:45
